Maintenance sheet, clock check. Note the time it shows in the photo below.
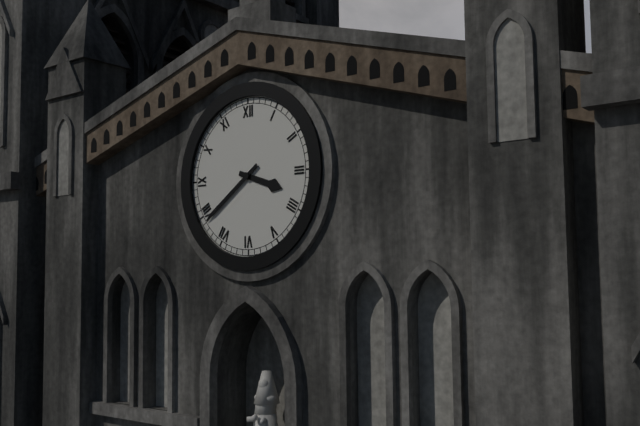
3:39
